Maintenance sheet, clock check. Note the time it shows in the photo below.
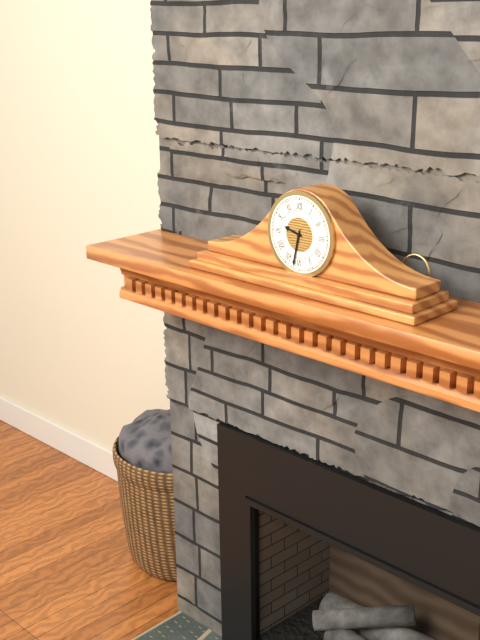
9:32
